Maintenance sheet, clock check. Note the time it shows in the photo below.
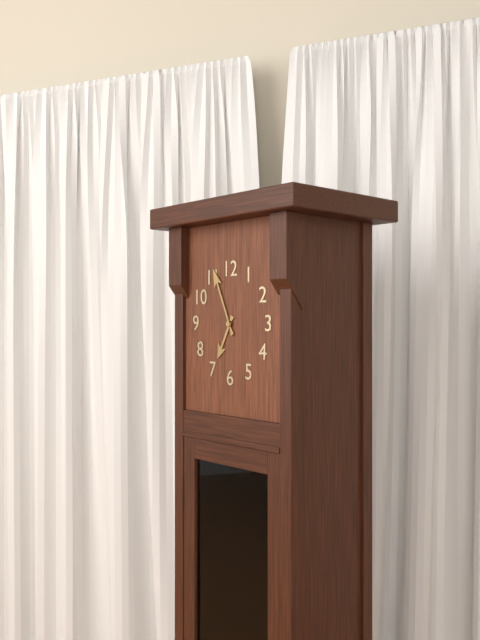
6:56
